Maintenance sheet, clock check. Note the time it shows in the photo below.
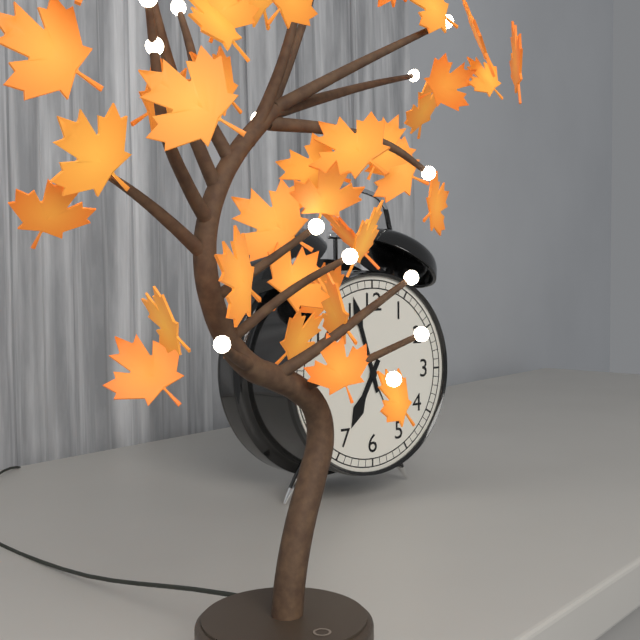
6:57
